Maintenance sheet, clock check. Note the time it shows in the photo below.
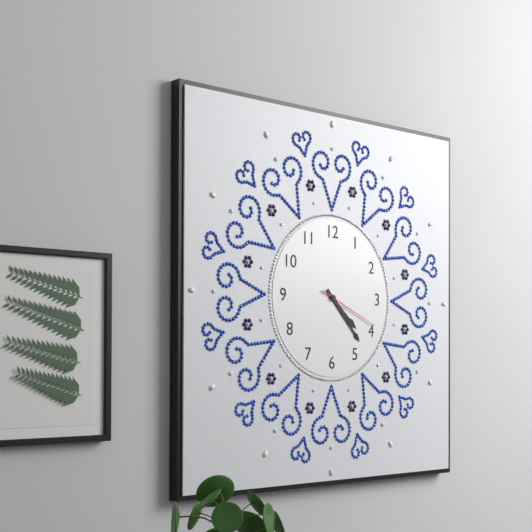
4:23:19
